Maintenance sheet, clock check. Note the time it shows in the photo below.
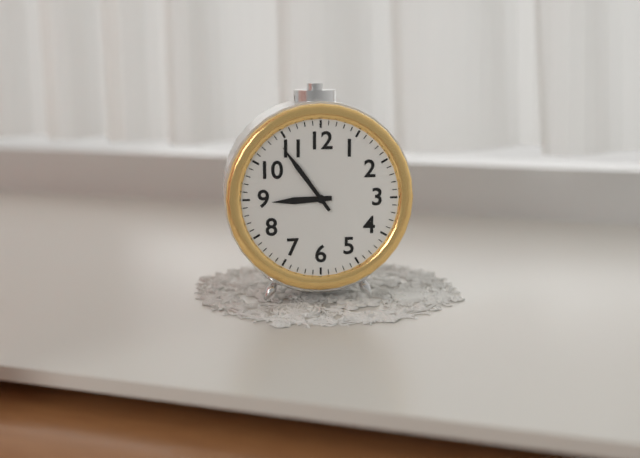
8:54
